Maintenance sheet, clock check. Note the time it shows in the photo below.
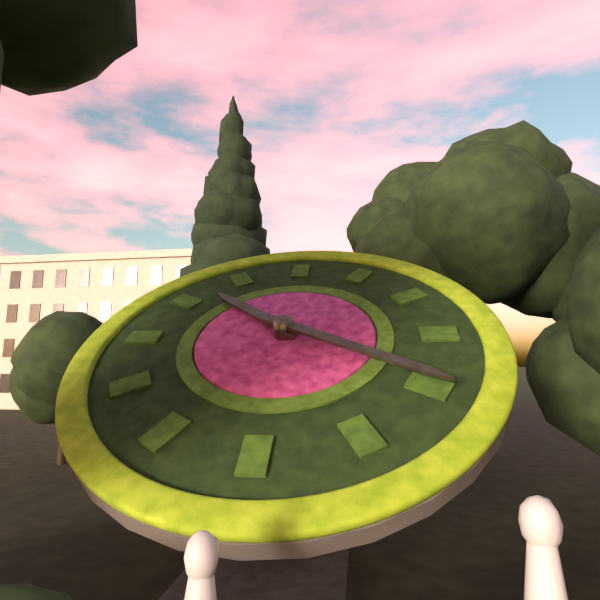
10:20
